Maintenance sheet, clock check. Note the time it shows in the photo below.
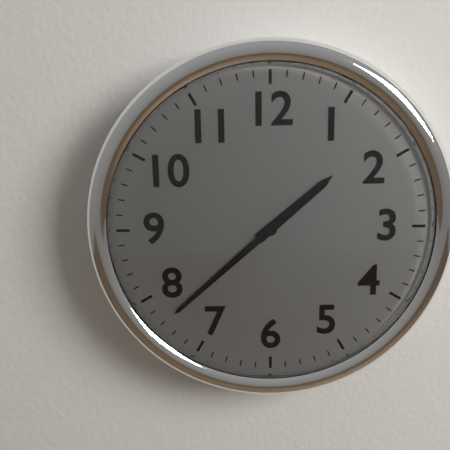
1:38
